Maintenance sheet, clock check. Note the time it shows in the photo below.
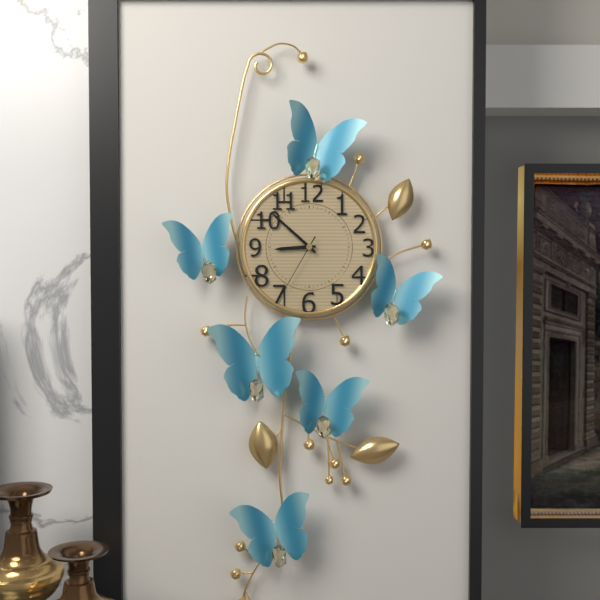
8:52:35
